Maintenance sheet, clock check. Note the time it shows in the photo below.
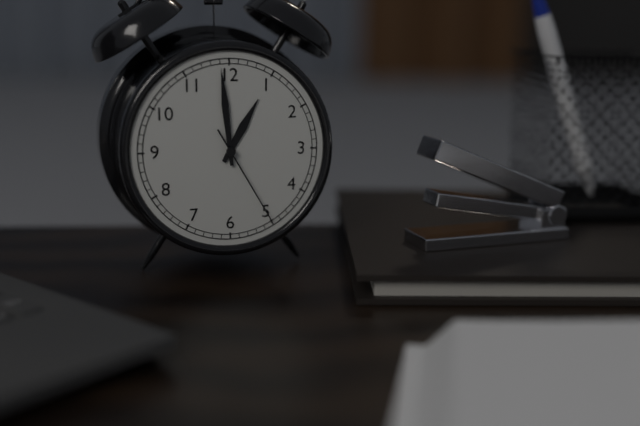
12:59:25
